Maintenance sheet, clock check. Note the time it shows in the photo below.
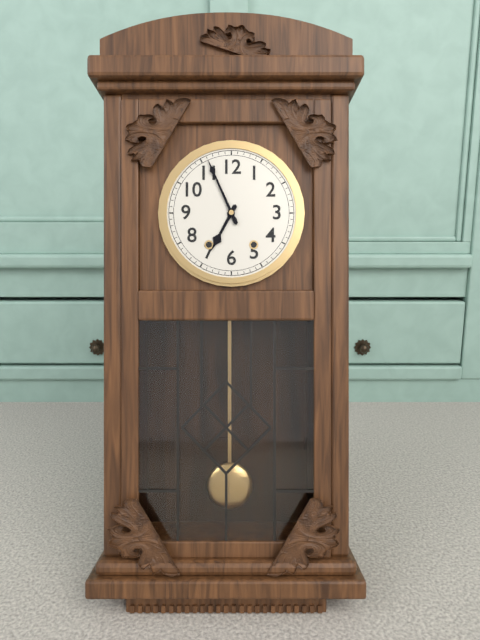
6:56
